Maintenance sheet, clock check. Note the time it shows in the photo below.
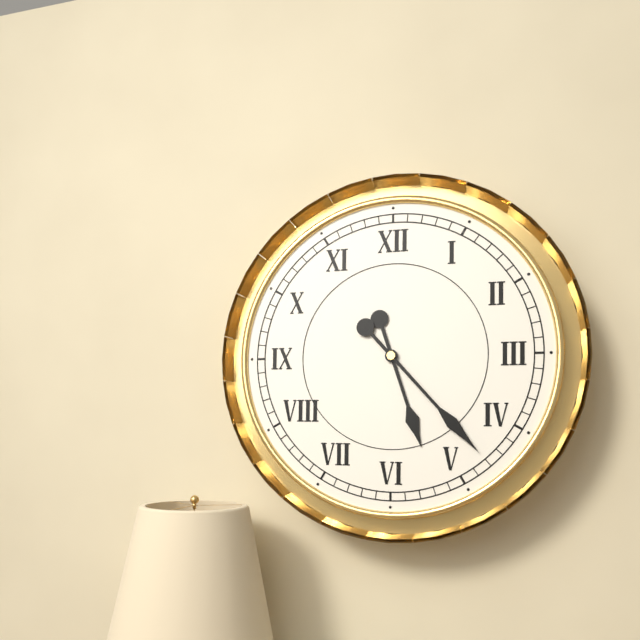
5:23
